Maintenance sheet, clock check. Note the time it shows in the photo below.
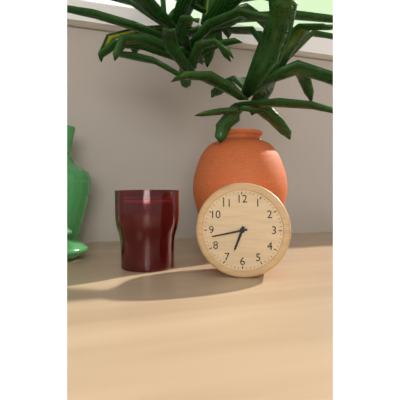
6:43
